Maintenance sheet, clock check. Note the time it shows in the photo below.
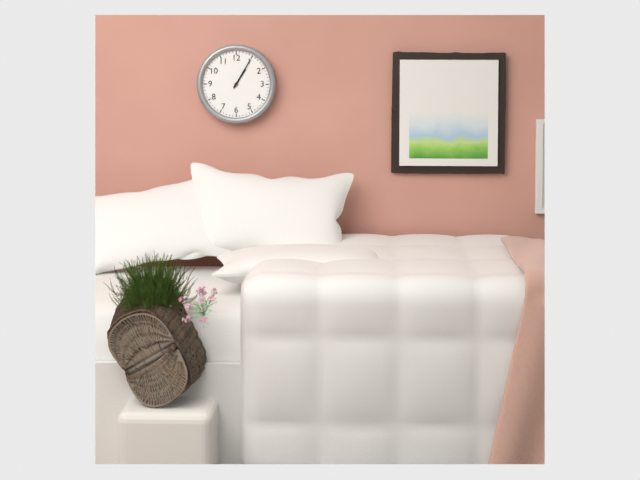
1:05
